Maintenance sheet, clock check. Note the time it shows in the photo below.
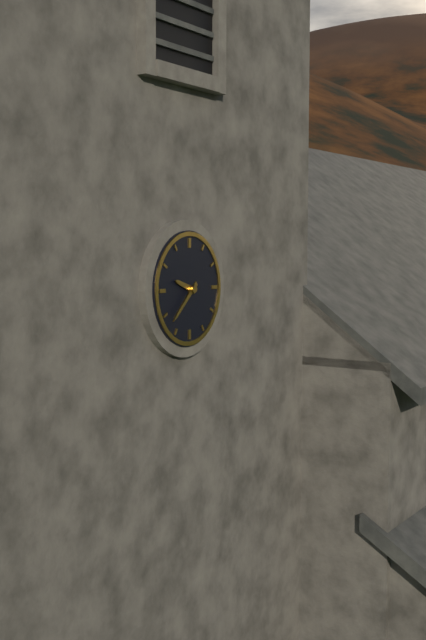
9:38
